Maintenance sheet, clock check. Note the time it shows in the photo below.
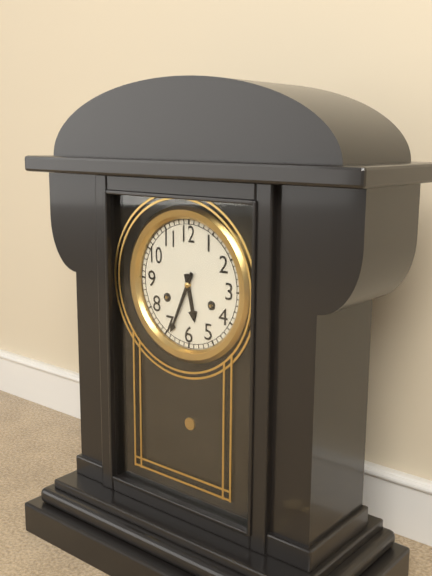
5:34
